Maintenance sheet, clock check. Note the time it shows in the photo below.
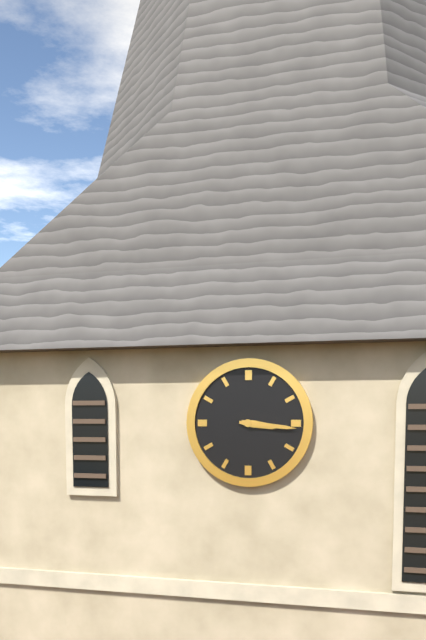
3:16
